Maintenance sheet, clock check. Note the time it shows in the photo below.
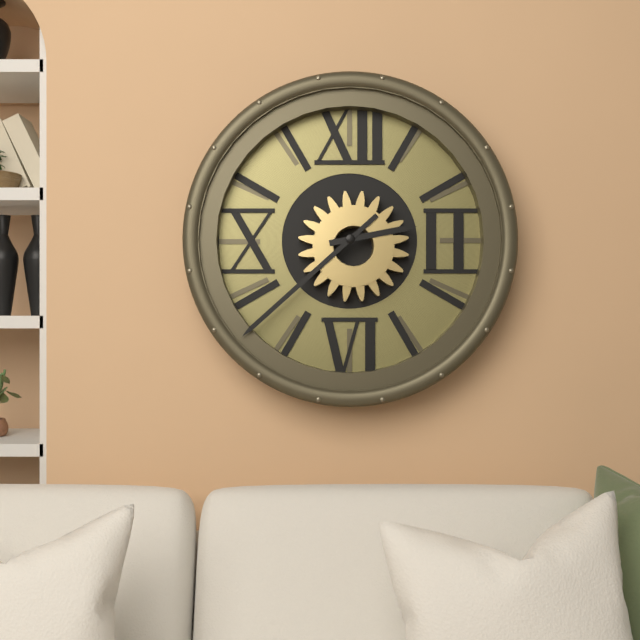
2:38
